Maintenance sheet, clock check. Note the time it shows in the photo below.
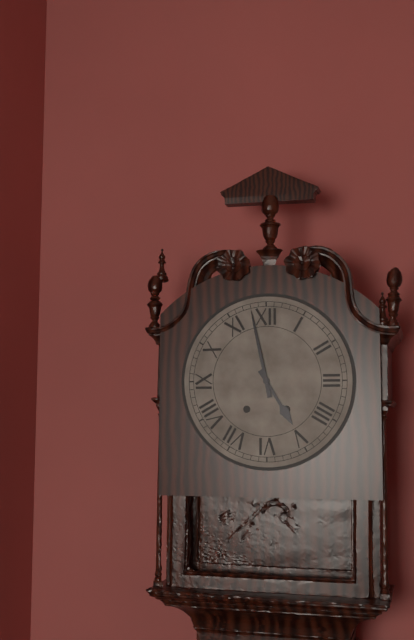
4:58
